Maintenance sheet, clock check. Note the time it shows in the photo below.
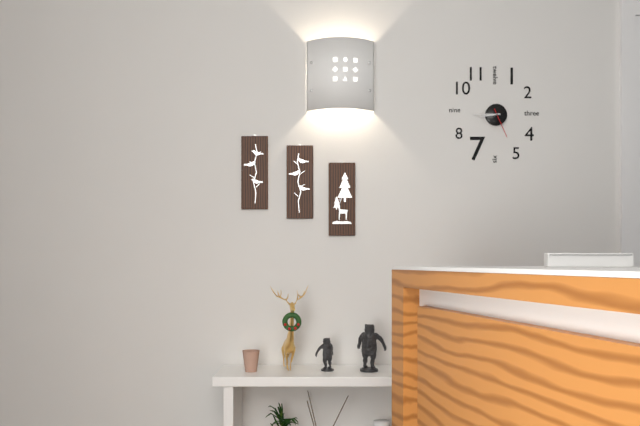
8:45
